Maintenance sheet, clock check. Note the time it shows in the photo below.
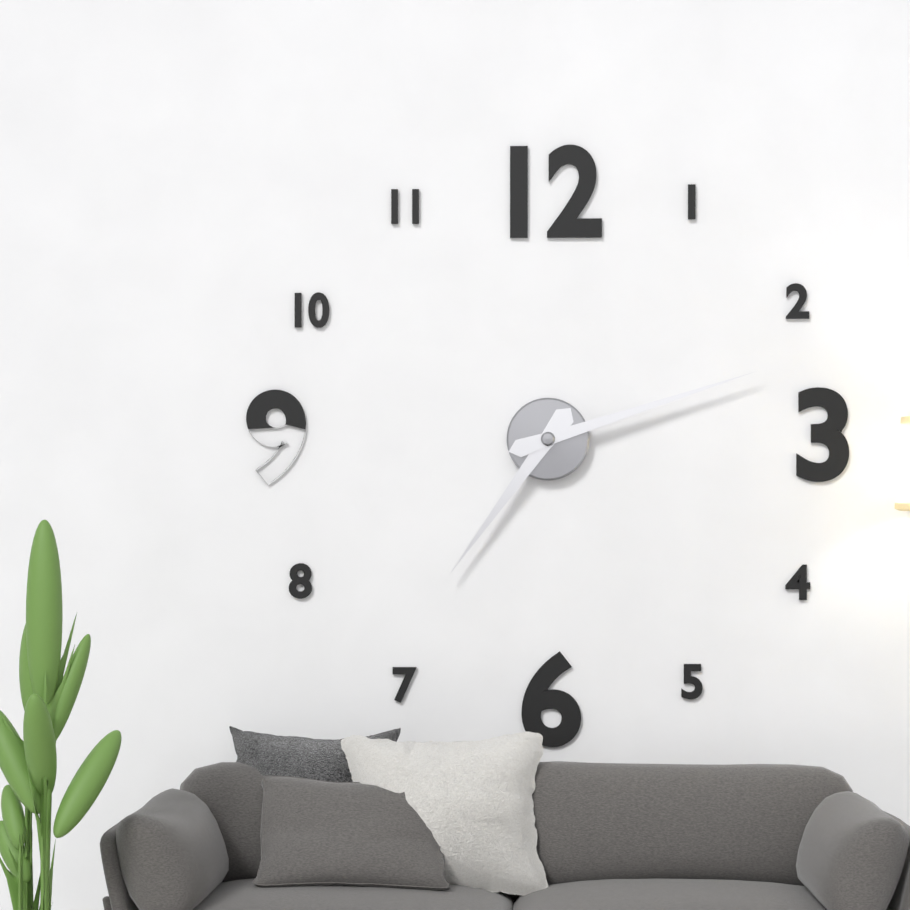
7:12
